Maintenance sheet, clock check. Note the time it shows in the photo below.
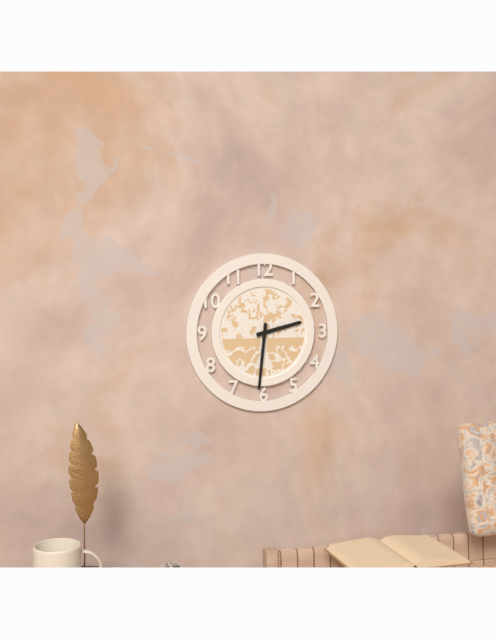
2:31
